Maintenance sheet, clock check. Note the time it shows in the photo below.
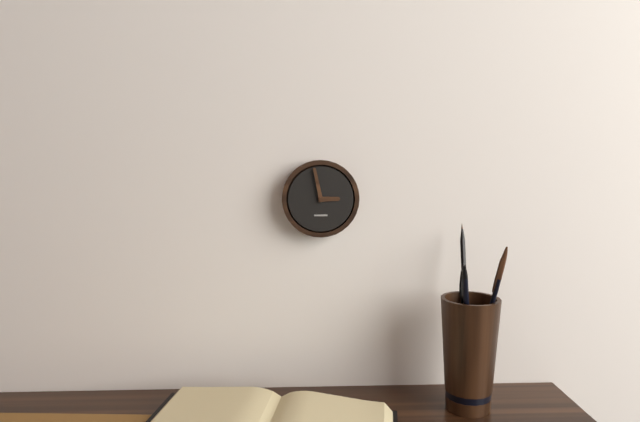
2:58
